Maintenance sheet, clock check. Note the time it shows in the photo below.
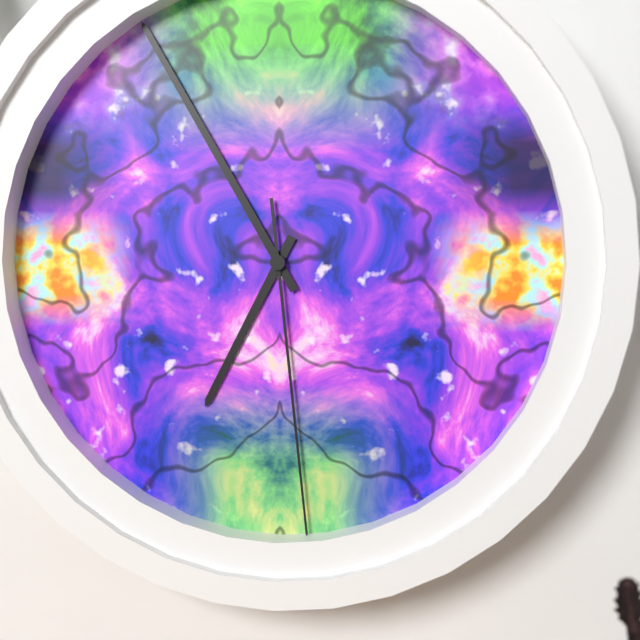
6:55:29
